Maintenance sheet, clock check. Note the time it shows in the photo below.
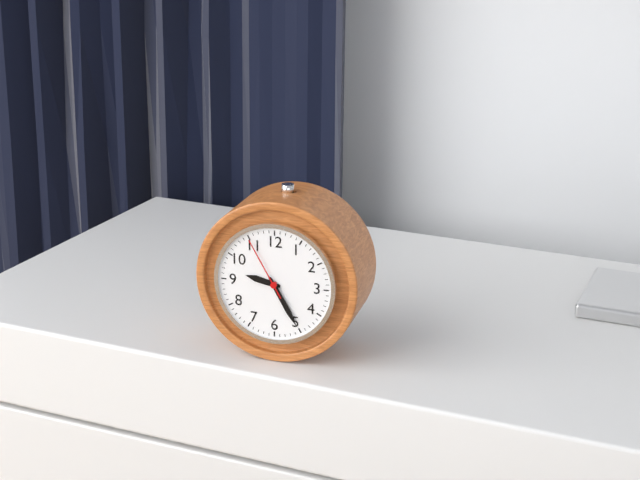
9:25:55
